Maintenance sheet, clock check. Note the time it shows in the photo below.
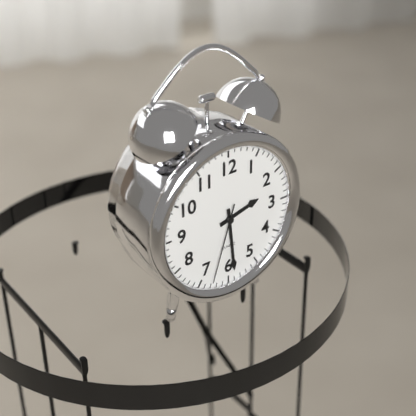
2:29:33
